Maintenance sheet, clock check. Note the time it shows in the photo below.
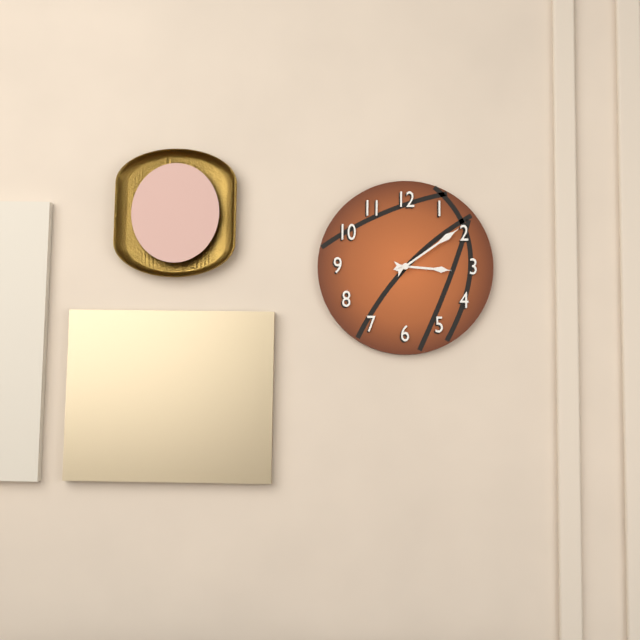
3:09
